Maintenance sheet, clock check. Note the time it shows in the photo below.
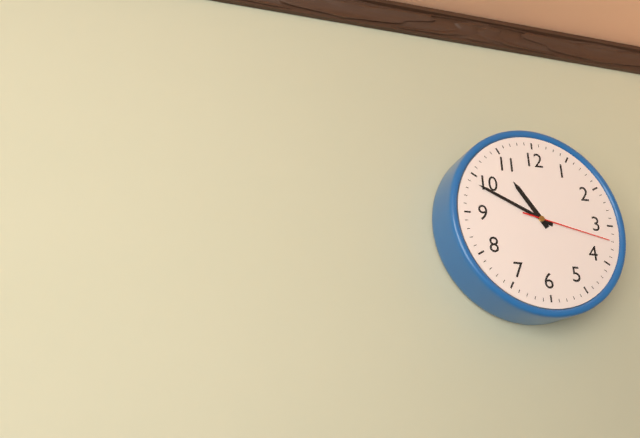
10:49:17
